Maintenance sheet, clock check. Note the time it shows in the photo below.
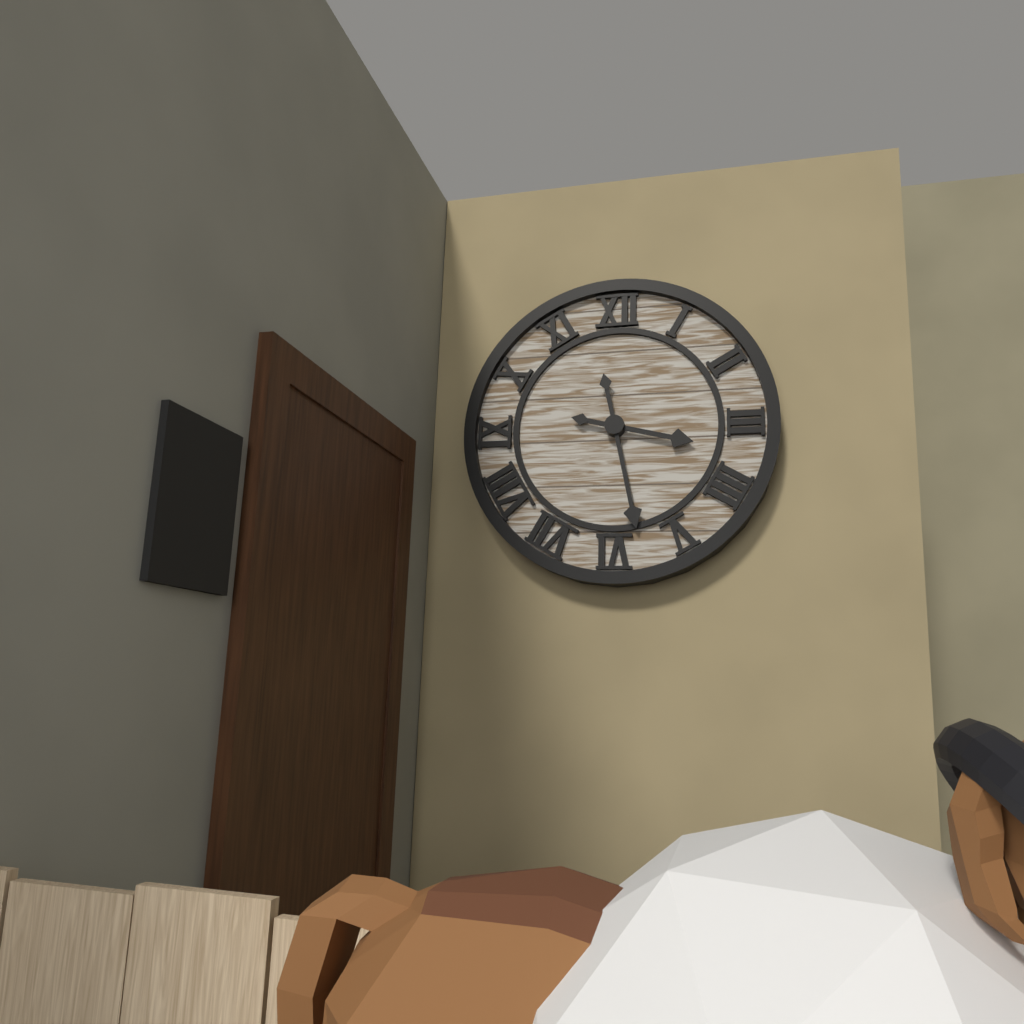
3:28
